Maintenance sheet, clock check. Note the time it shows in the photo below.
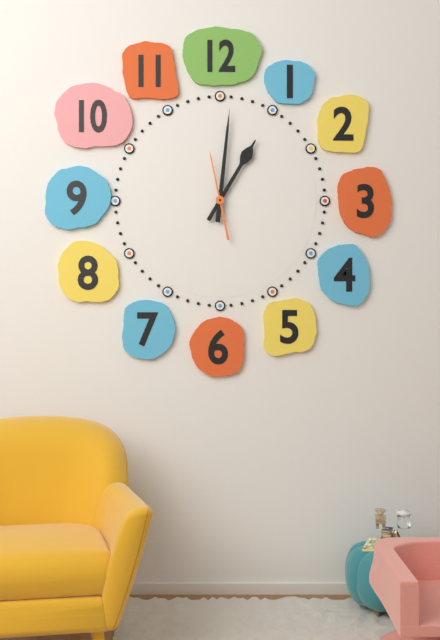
1:01:58
